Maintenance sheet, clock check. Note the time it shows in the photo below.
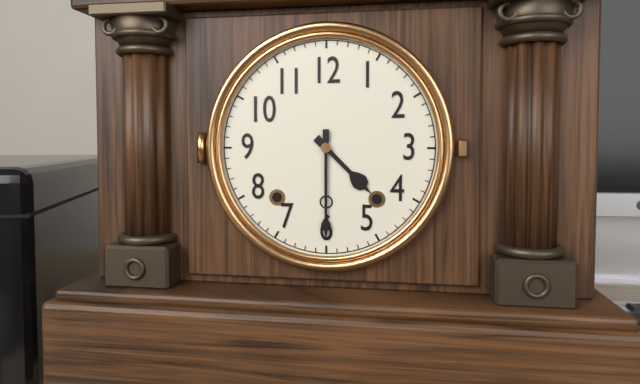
4:30
